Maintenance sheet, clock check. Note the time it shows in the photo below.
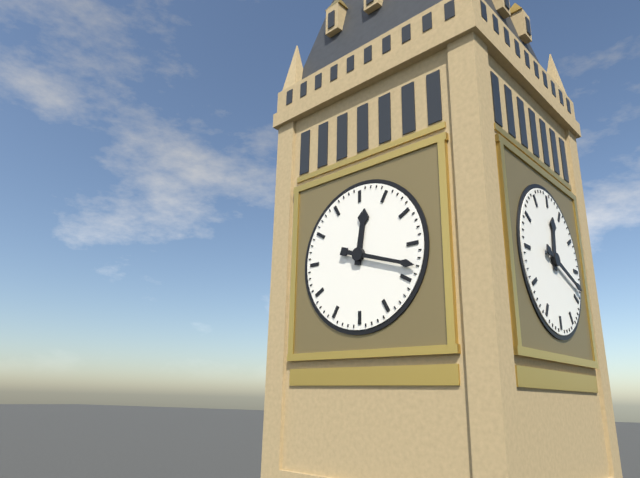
12:18
